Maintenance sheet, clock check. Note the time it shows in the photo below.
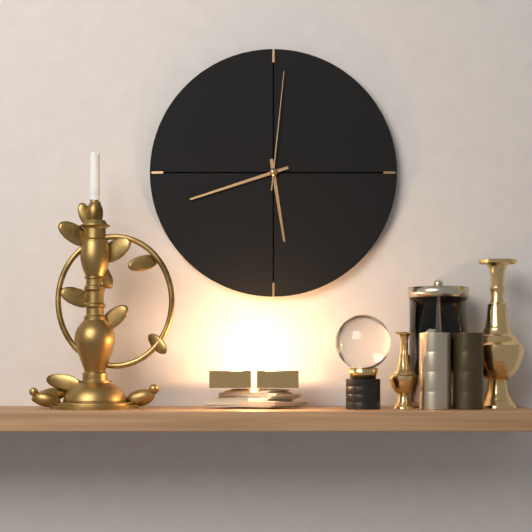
5:42:01
